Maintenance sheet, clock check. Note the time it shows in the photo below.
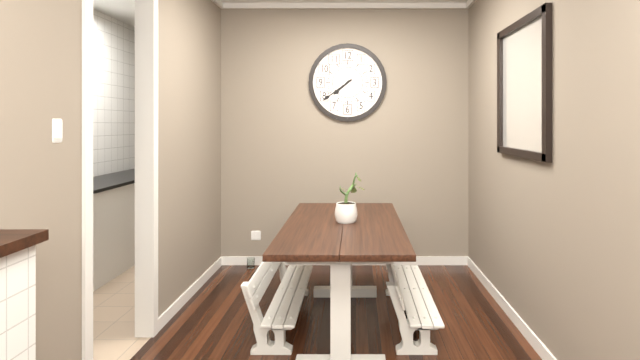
7:39
